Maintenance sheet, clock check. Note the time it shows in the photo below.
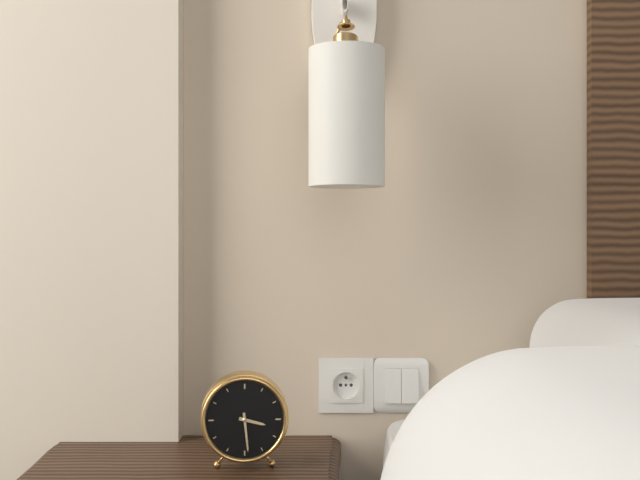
3:29
